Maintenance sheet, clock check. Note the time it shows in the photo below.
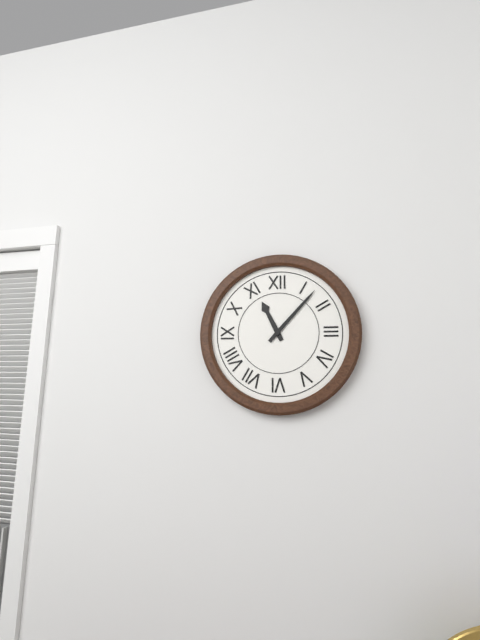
11:07
